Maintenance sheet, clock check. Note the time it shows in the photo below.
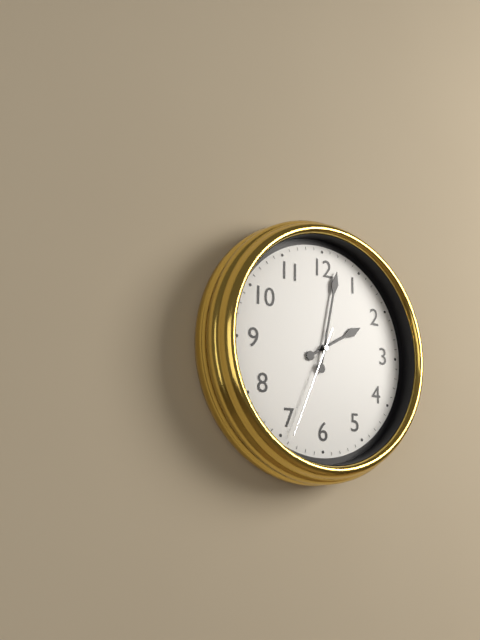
2:02:34
